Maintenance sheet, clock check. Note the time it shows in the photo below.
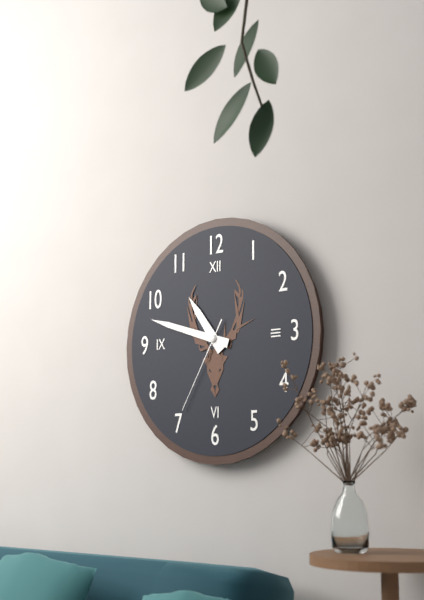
10:48:35
